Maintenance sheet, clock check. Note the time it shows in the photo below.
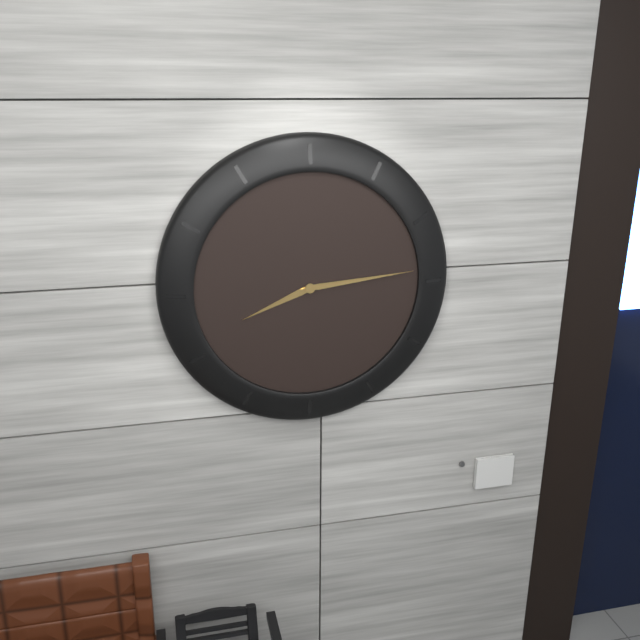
8:14
